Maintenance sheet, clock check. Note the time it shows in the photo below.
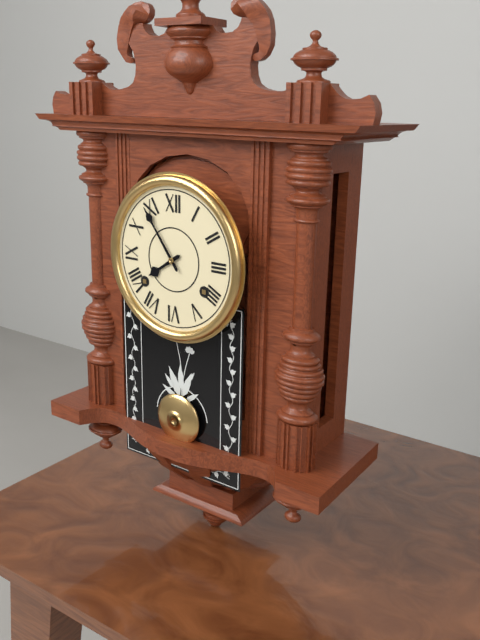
7:54
